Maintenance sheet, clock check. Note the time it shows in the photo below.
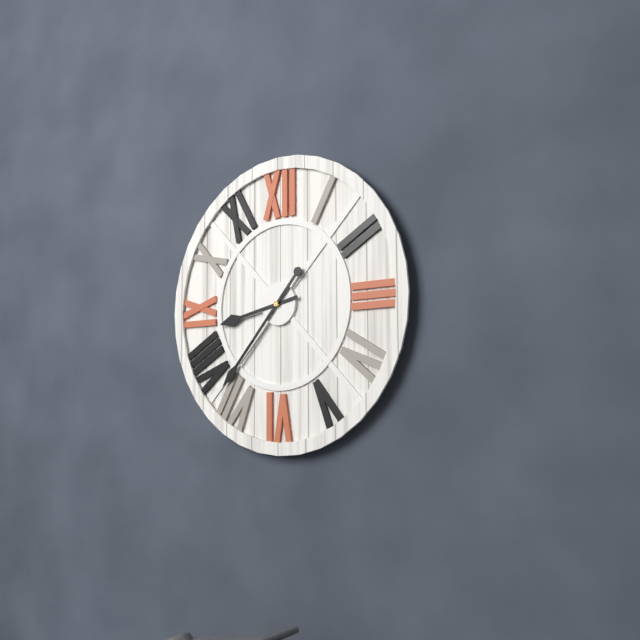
8:37
